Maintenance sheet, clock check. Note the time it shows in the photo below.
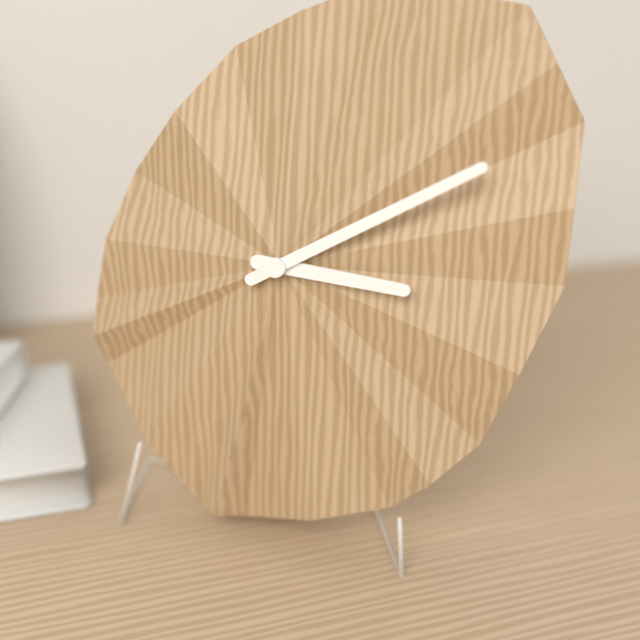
3:10
